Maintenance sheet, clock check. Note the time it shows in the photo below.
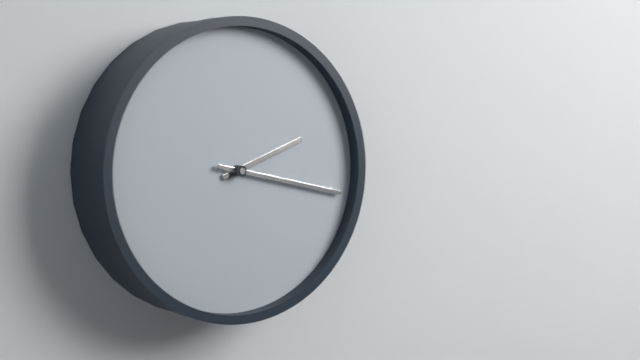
2:17
